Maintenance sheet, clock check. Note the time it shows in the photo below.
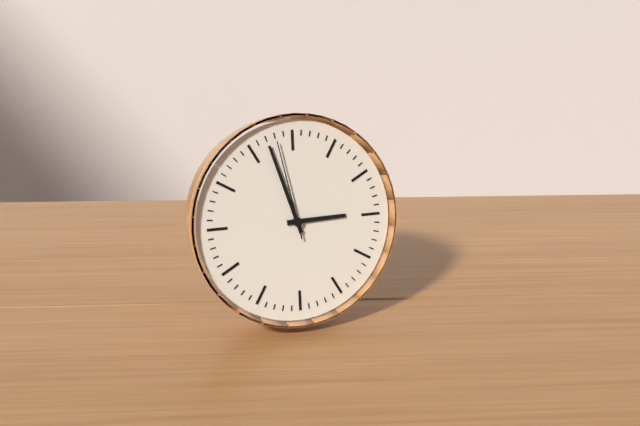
2:57:58
